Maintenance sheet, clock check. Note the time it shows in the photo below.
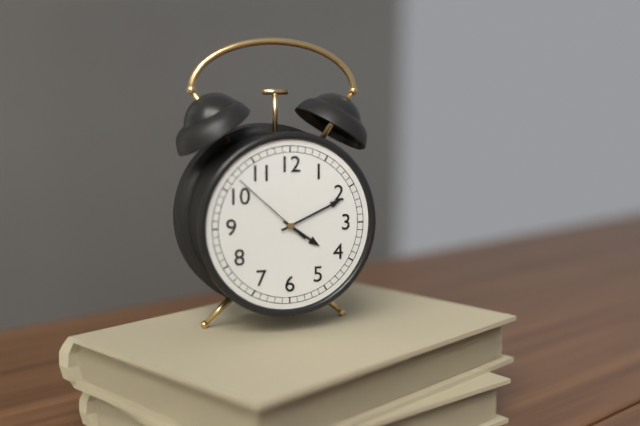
4:11:52
